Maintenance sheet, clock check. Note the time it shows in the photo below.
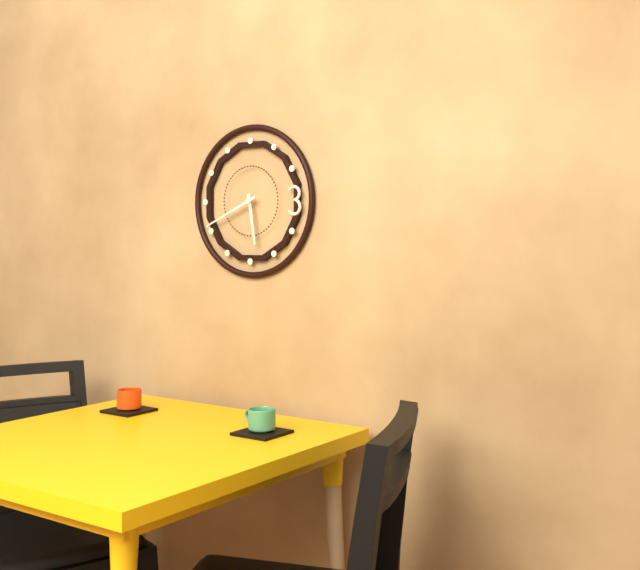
5:41
